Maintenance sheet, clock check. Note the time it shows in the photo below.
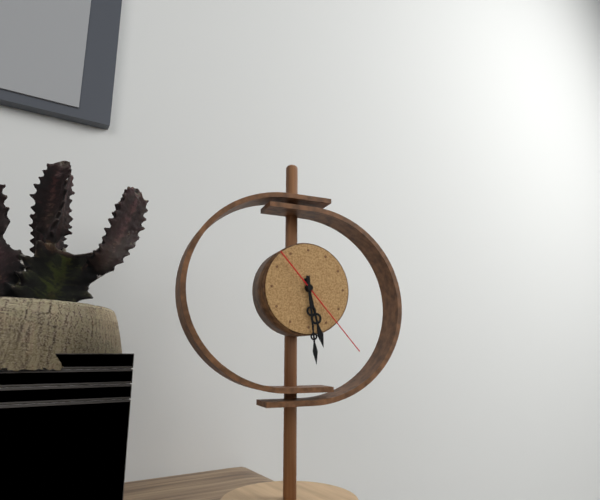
5:29:23
